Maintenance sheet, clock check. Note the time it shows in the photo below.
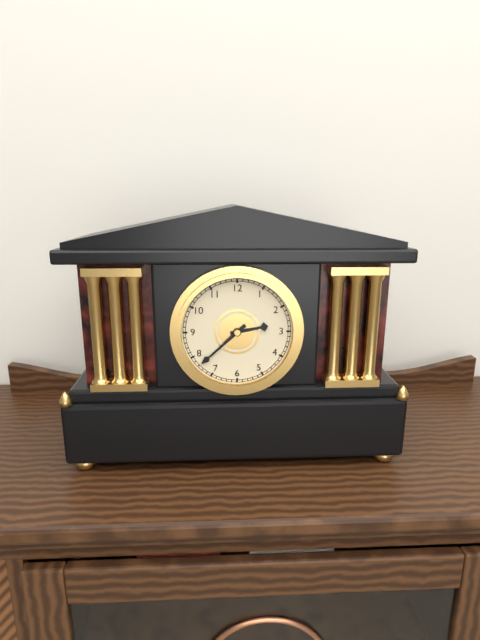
2:38
